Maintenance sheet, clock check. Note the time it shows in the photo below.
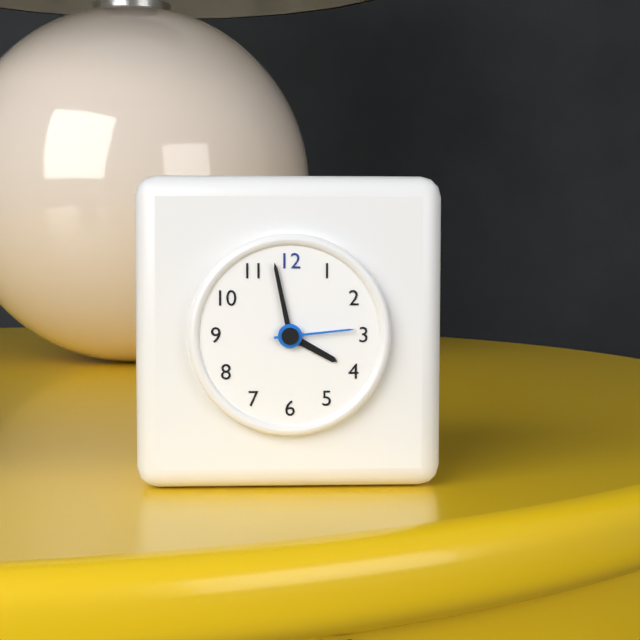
3:58:14
